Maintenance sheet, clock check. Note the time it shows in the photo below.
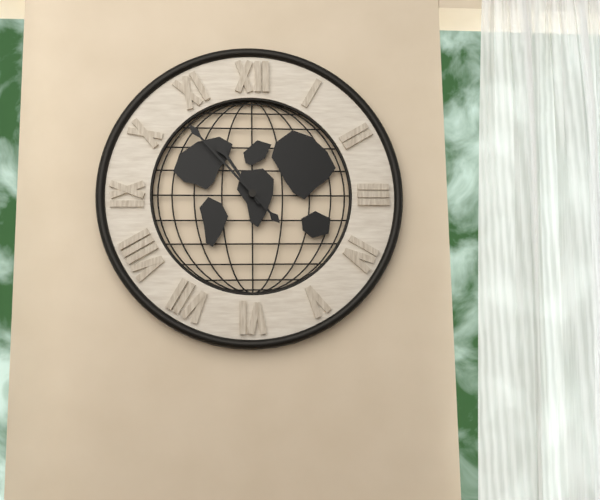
10:53
